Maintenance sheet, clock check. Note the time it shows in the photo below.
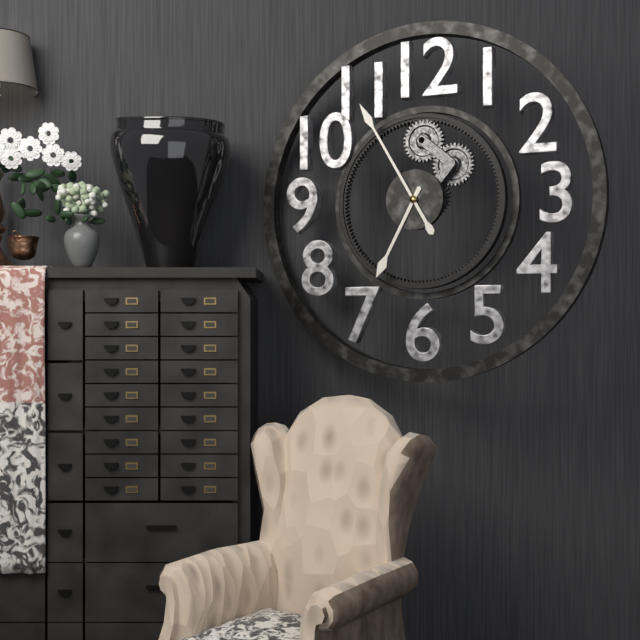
6:55
